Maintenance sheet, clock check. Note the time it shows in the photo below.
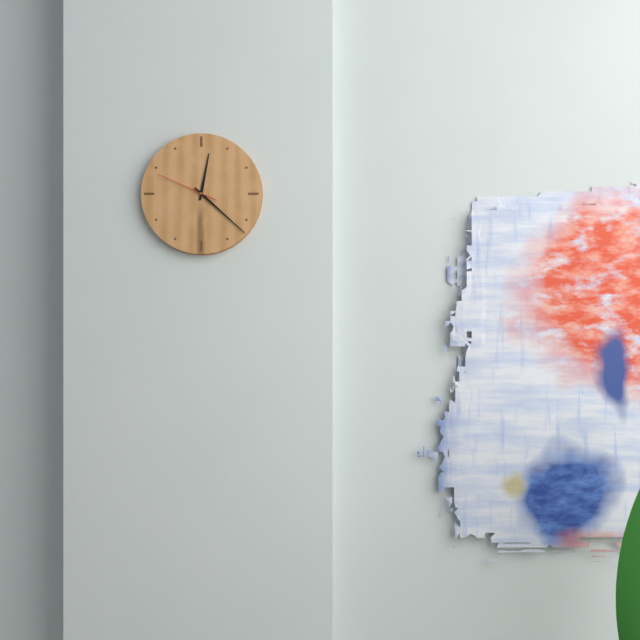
12:22:49
